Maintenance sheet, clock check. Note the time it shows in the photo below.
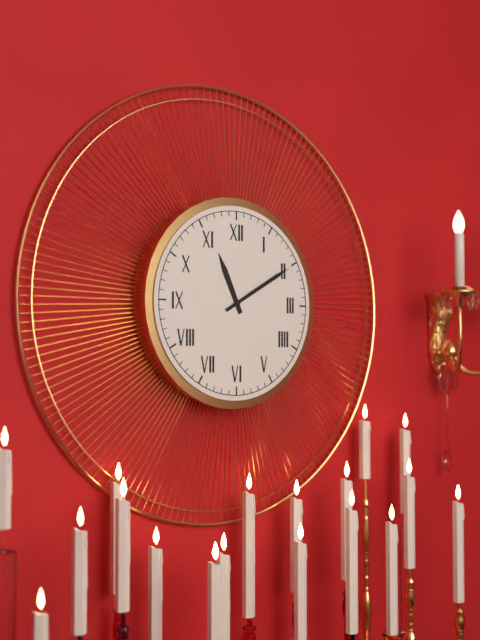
11:10
